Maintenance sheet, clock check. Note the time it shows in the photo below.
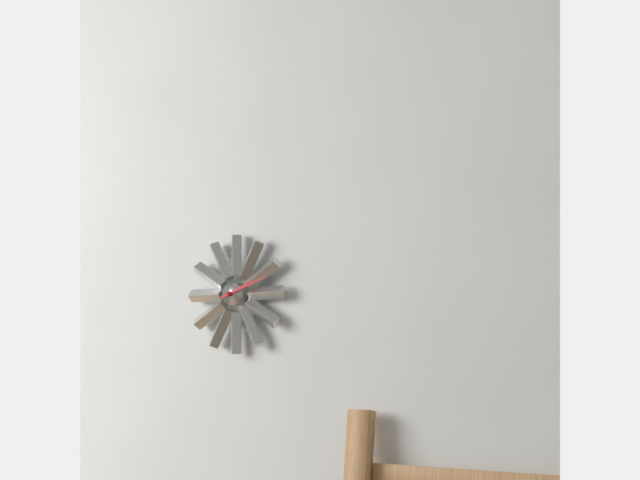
2:12
